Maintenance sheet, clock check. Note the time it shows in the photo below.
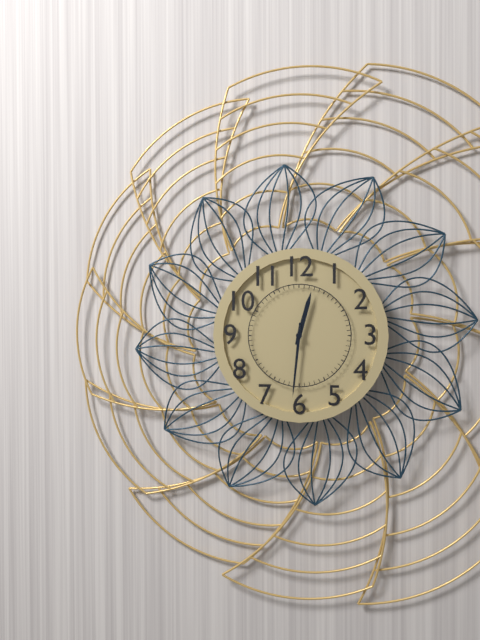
12:31
